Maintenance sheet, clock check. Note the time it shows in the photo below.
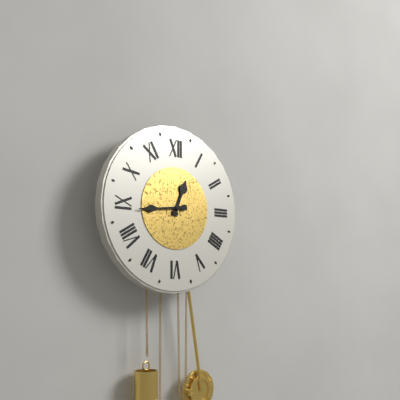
12:44
